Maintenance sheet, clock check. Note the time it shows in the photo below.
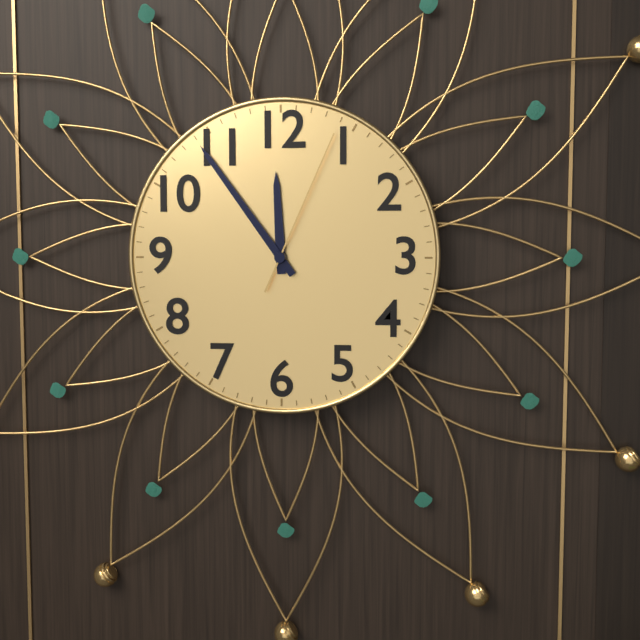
11:54:04
